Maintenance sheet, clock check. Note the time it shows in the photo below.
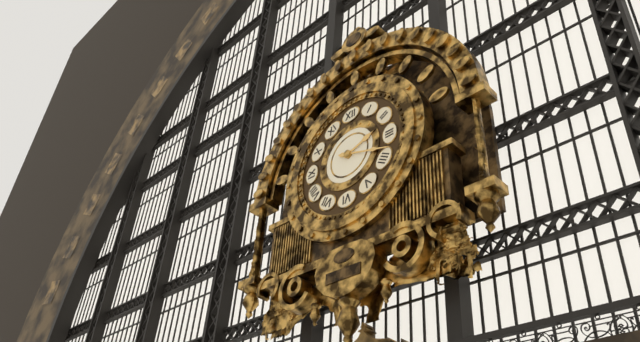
2:18
